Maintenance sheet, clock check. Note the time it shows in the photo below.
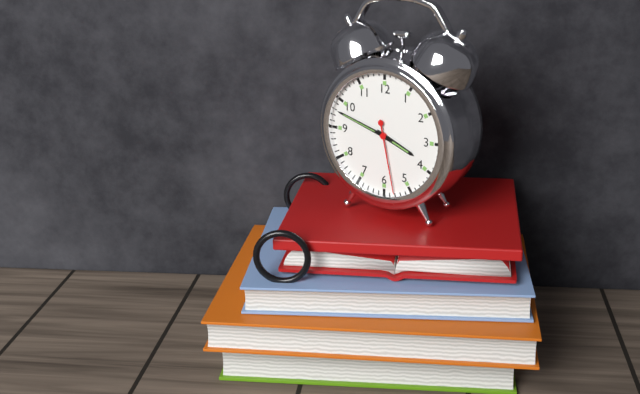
3:48:28
